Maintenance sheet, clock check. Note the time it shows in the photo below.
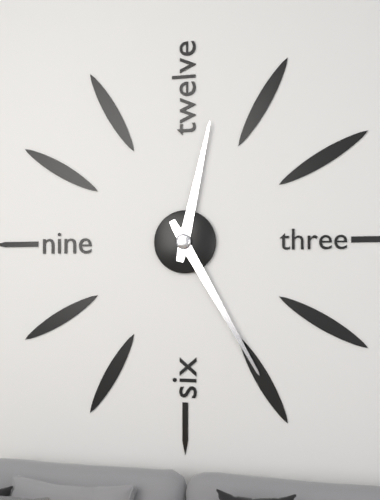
12:25
